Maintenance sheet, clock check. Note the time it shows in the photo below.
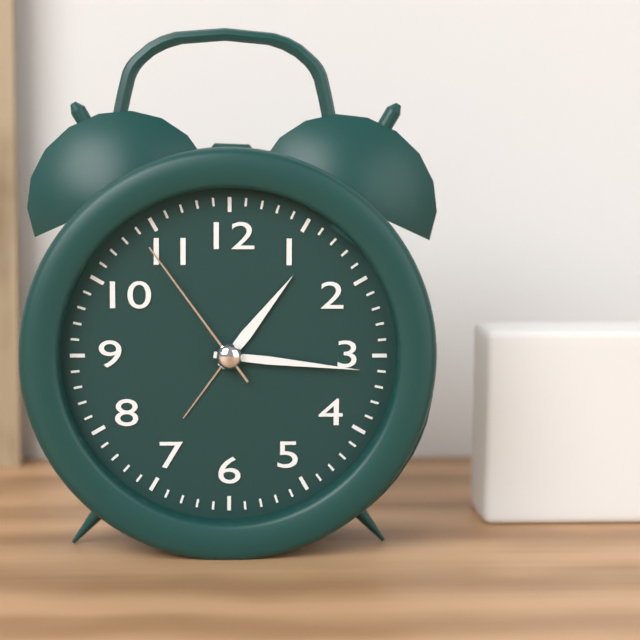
1:16:54
